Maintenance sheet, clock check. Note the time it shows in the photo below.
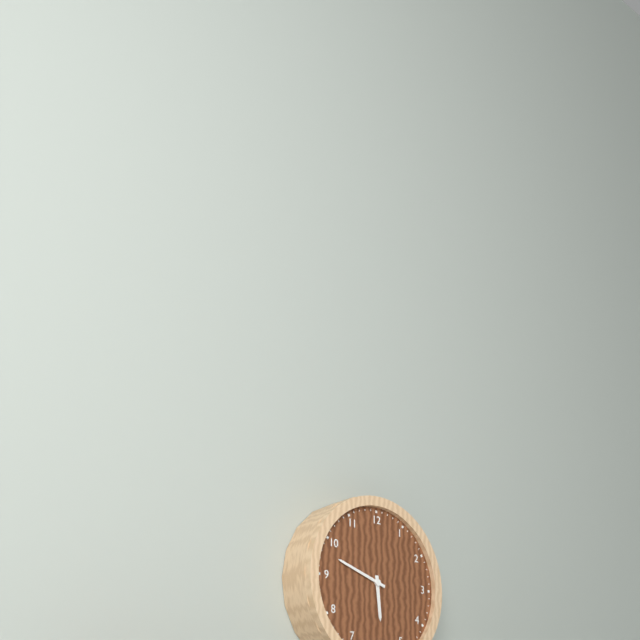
5:48
